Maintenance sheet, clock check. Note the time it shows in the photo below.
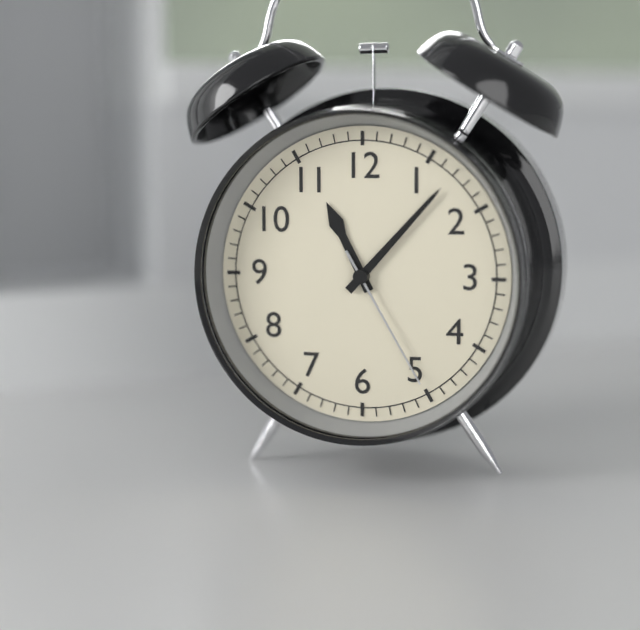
11:07:25
